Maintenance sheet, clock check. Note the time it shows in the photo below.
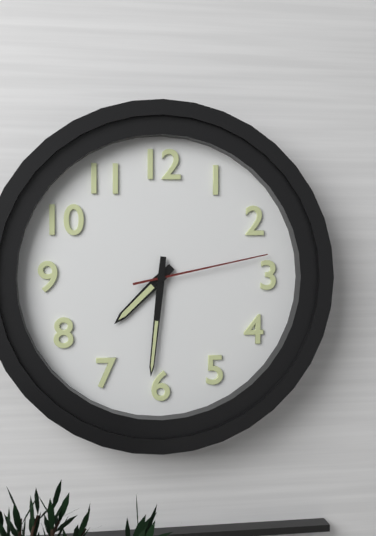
7:31:13
